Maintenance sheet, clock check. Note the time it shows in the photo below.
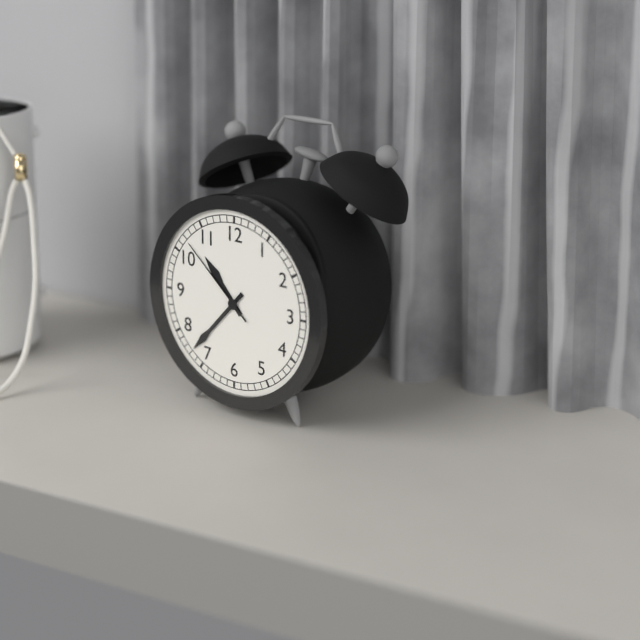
10:37:52
